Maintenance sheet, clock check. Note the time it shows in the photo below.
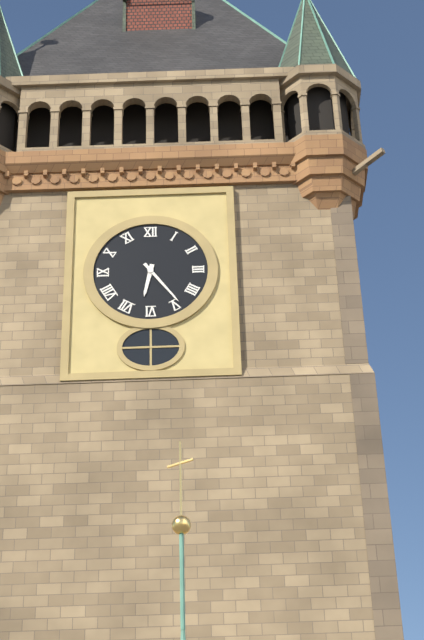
6:24
